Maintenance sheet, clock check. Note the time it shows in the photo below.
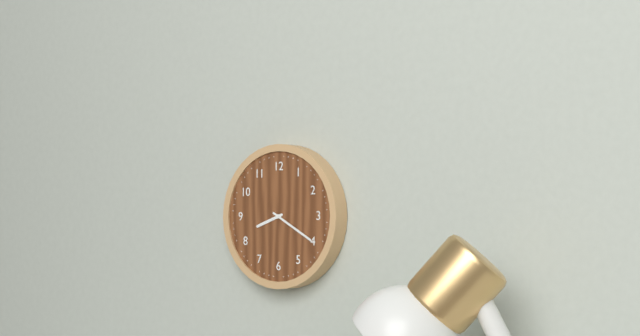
8:20
